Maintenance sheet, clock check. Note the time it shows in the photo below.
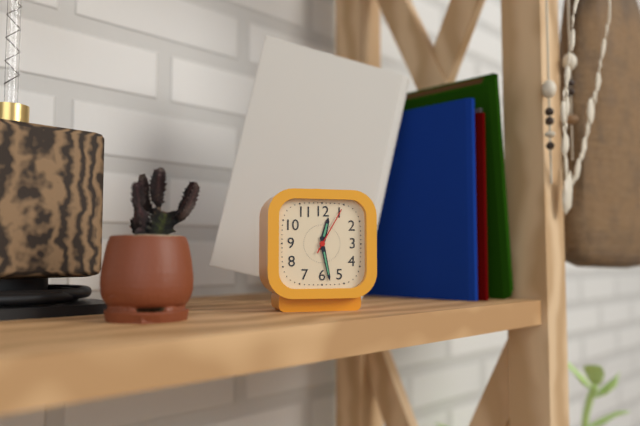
12:28:05
